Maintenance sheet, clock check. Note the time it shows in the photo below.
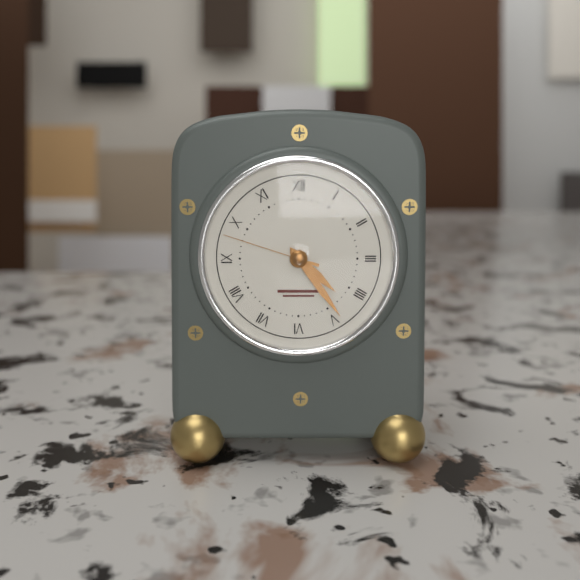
4:24:48
